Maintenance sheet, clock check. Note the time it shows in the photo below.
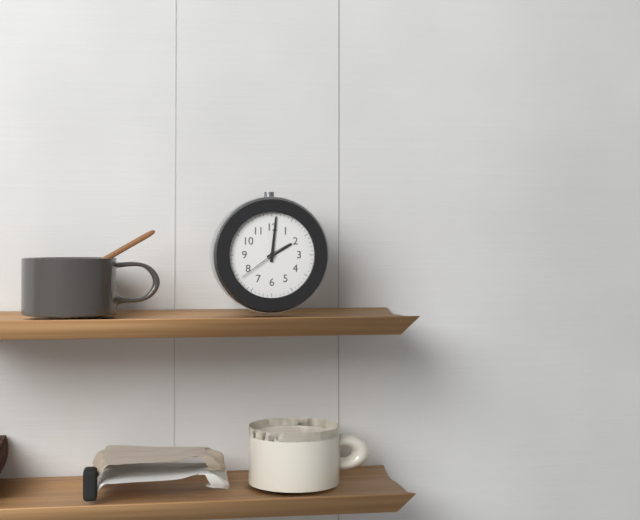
2:01
